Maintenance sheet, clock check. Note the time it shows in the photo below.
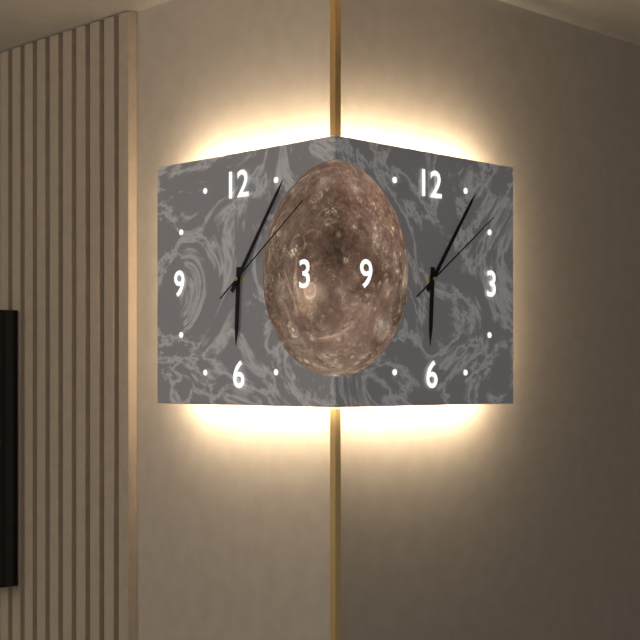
6:06:09
